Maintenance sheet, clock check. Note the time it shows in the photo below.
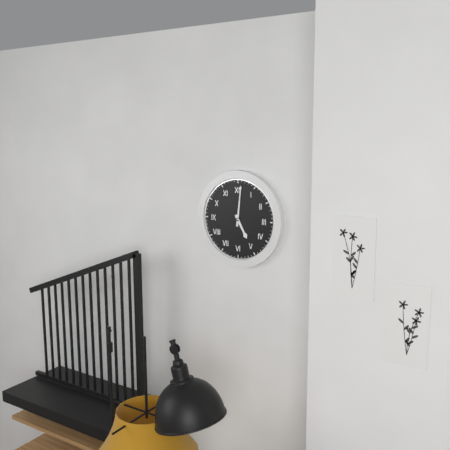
5:01
